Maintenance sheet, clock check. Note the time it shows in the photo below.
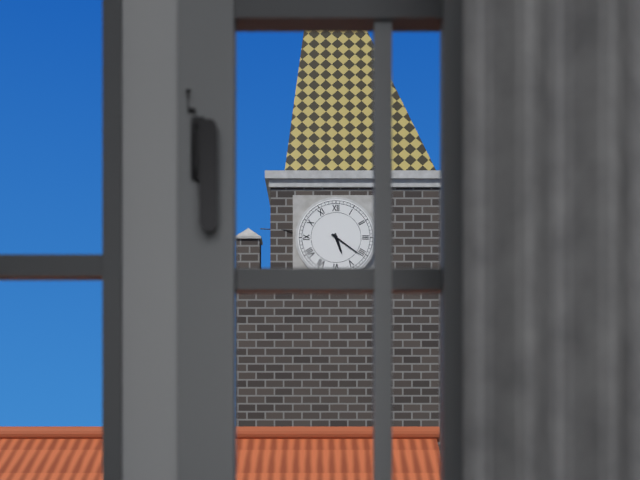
5:21
